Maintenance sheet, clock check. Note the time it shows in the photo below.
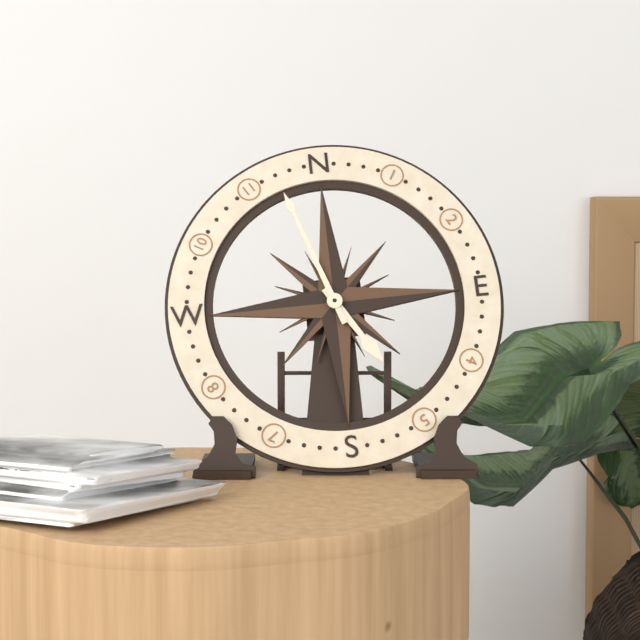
4:57
